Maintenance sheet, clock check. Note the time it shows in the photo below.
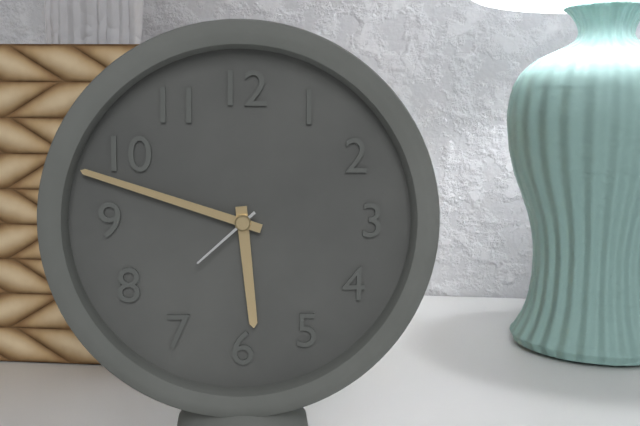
5:48:38
